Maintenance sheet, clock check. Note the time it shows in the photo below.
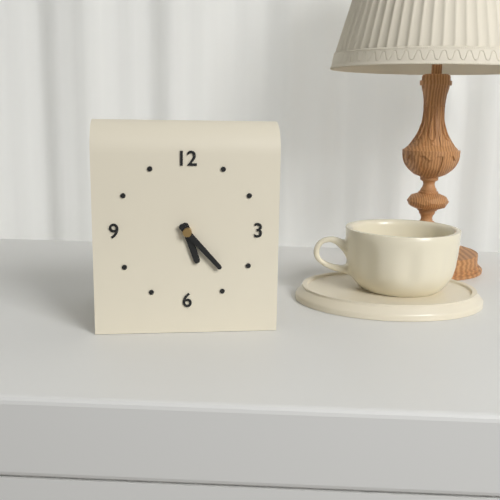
5:23
